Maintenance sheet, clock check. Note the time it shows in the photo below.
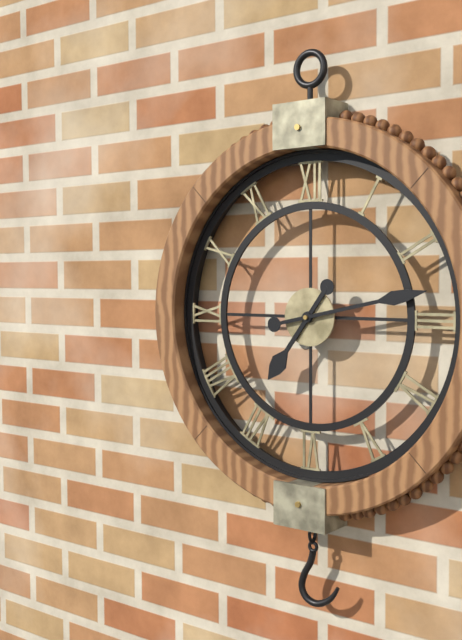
7:13
